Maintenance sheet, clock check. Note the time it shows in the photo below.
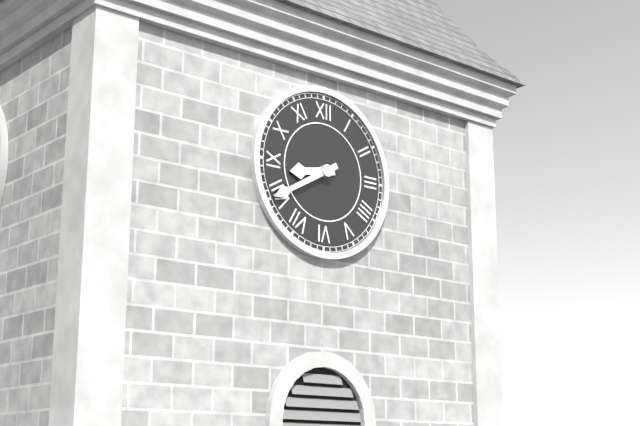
8:40
